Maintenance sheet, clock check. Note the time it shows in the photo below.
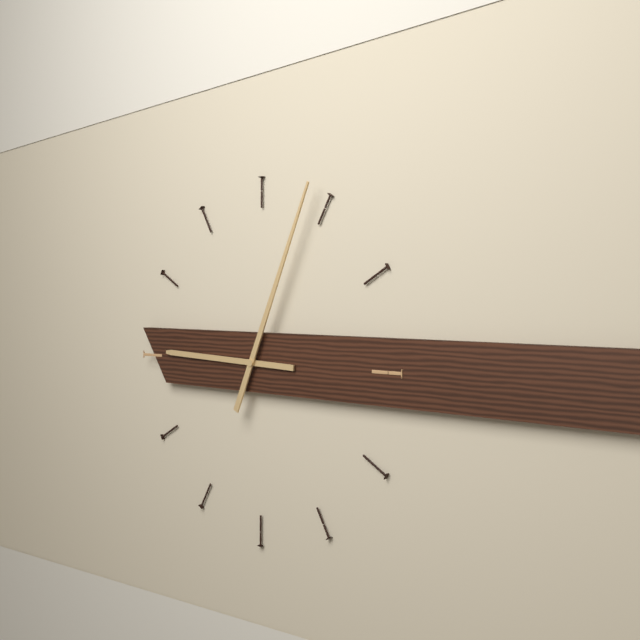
9:04
